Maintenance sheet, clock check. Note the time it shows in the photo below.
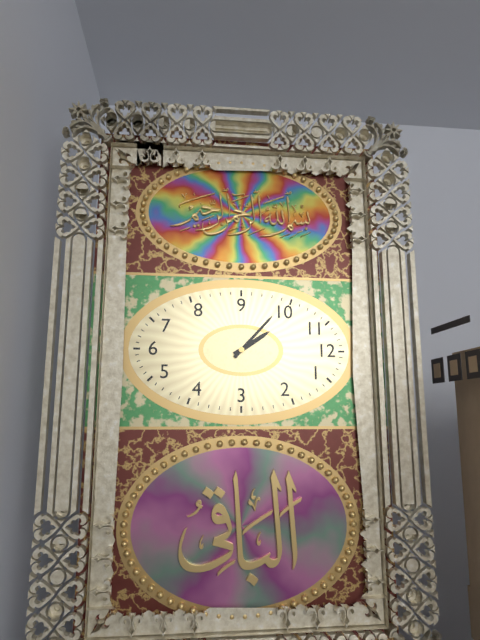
10:52
